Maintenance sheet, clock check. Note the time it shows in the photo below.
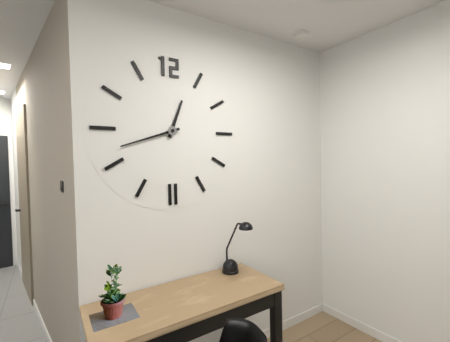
12:42
